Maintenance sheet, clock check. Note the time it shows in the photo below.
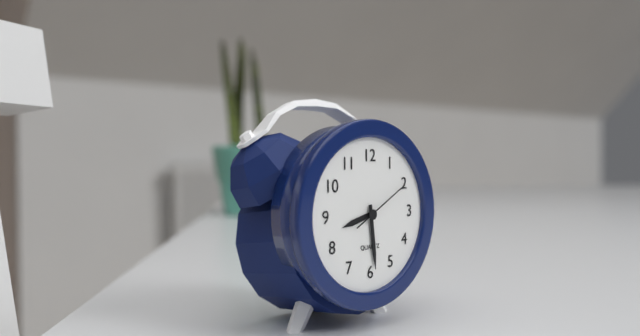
8:29:10
